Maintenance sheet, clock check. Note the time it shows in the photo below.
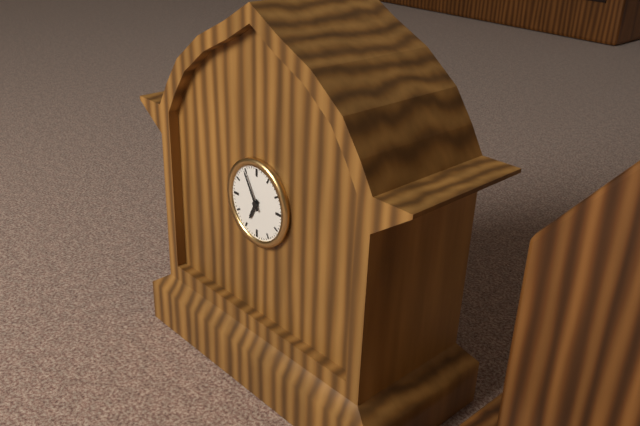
6:55
